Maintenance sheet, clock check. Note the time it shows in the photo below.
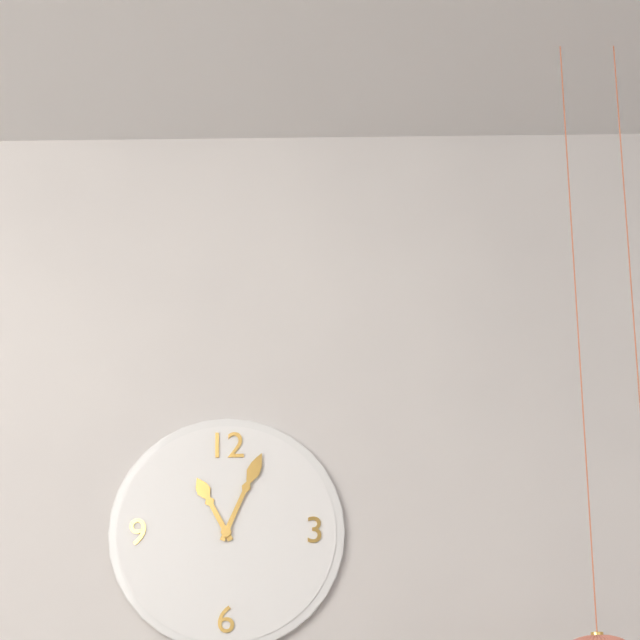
11:04
